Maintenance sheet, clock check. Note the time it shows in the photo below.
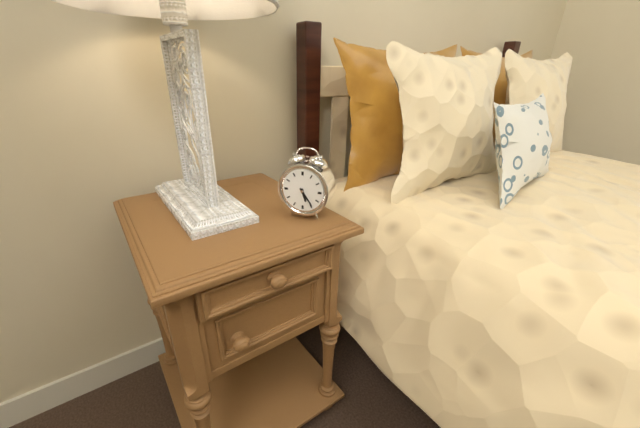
5:24
